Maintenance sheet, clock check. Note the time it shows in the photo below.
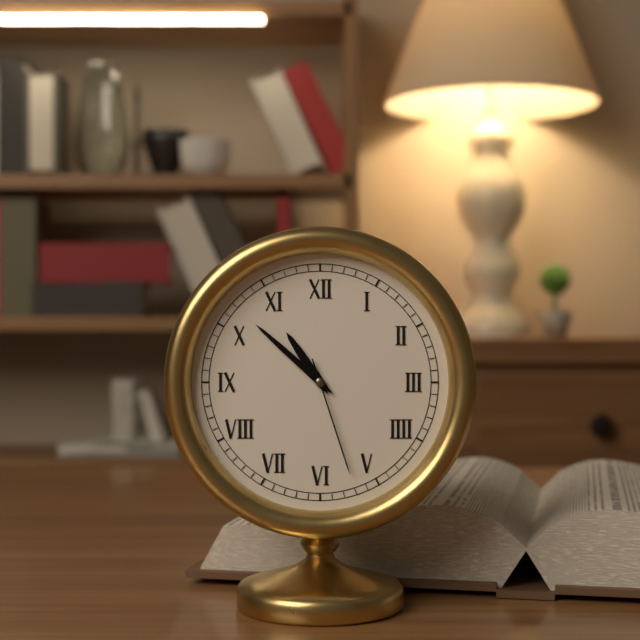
10:52:27
